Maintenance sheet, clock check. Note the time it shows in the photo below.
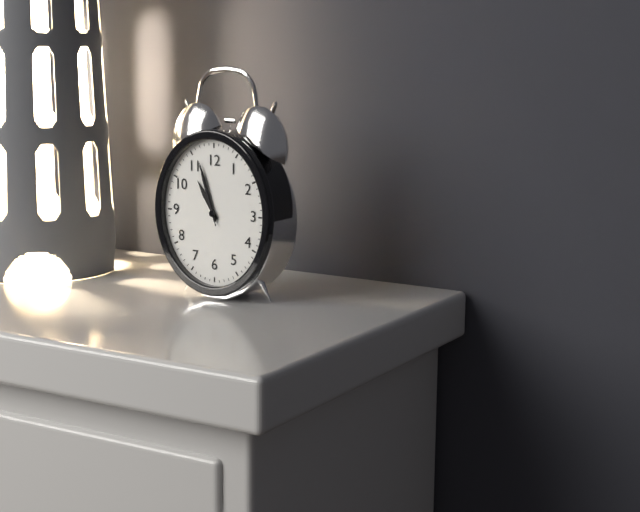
10:57:57
